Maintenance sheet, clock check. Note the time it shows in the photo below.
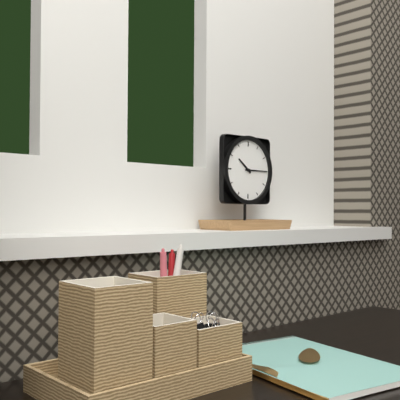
10:15
